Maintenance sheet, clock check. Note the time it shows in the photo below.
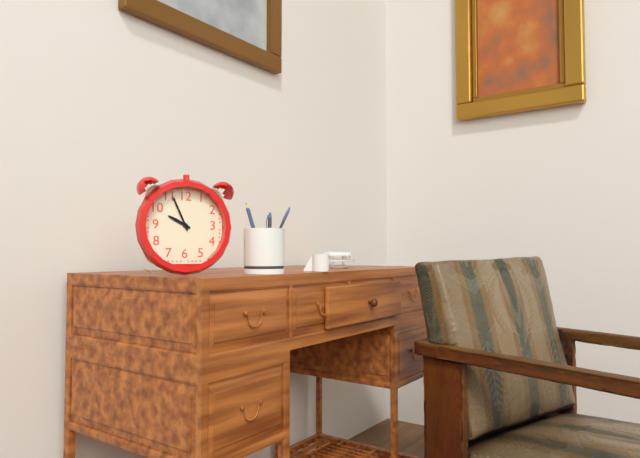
9:56
